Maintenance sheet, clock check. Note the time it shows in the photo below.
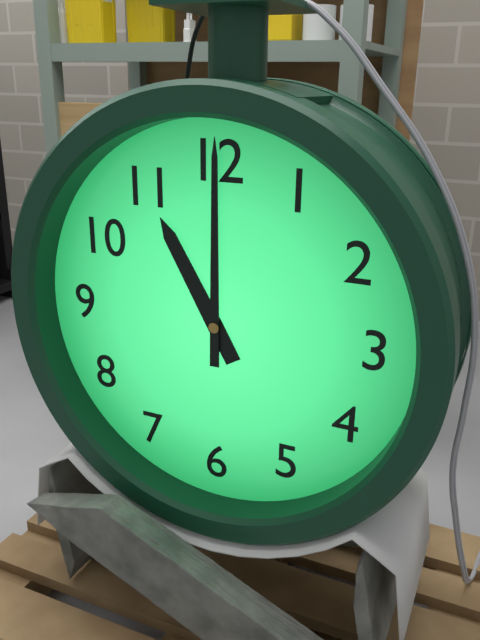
11:00
